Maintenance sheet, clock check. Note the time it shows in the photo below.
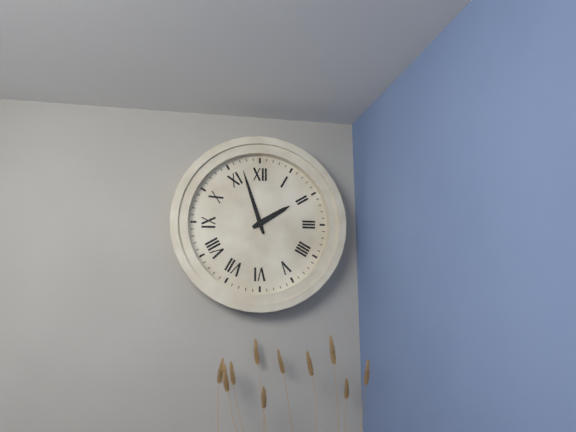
1:57
